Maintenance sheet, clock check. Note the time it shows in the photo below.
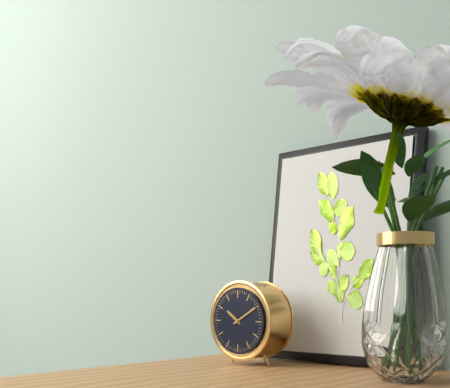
10:10
